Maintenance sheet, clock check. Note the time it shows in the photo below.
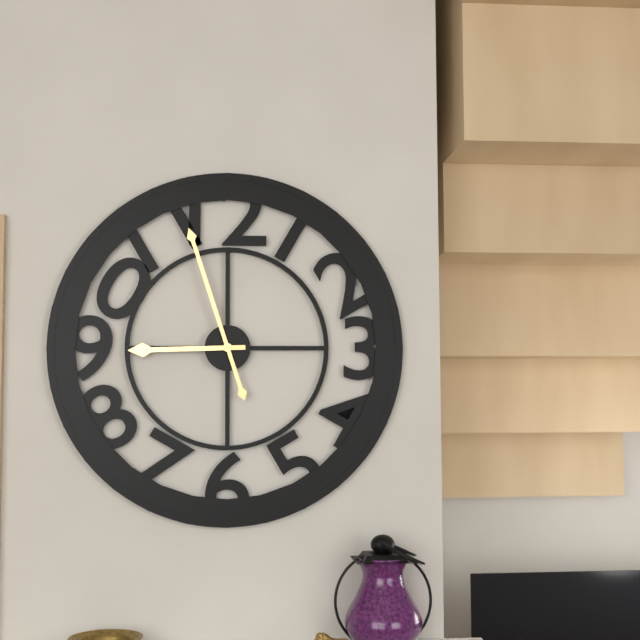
8:57
